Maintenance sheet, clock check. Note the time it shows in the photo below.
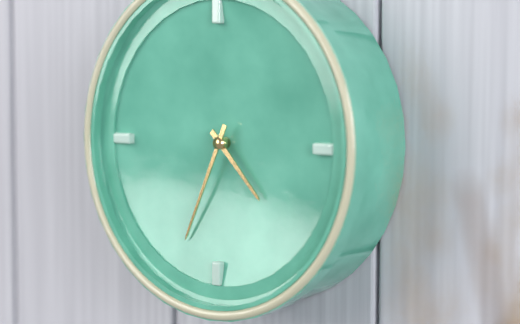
4:34
